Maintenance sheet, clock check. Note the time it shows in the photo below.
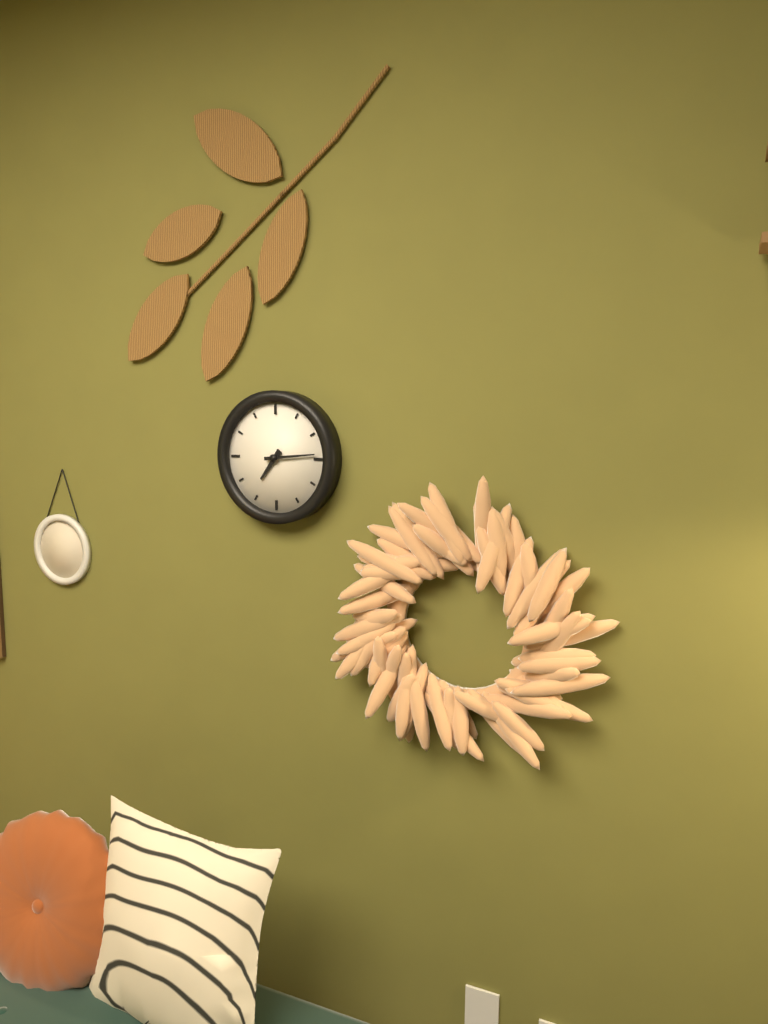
7:14
